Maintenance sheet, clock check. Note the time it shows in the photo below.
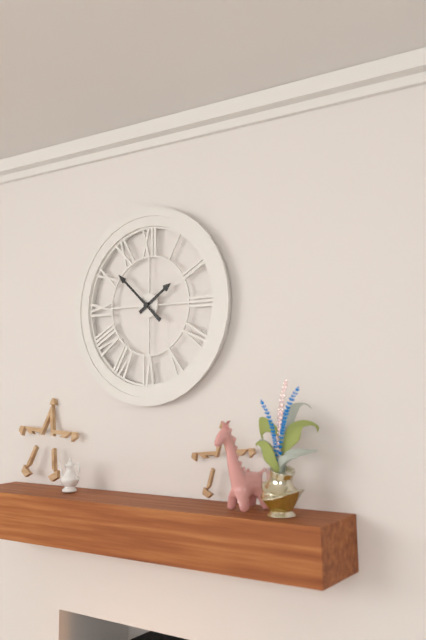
1:52
